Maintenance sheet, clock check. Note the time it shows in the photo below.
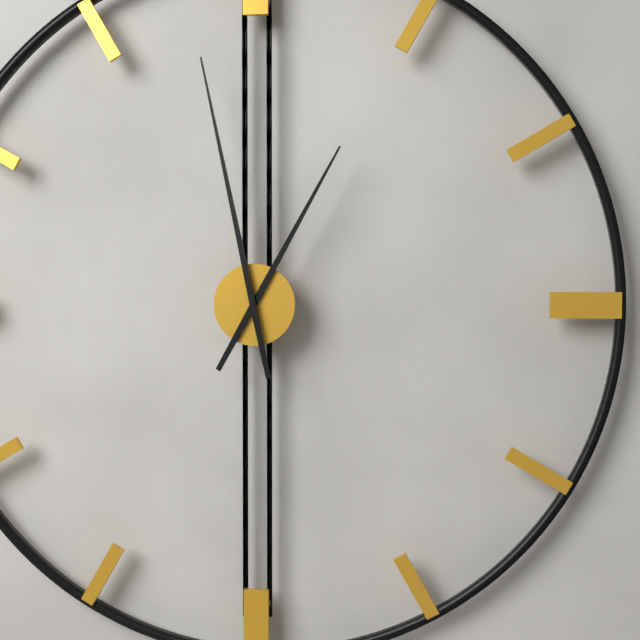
12:58
